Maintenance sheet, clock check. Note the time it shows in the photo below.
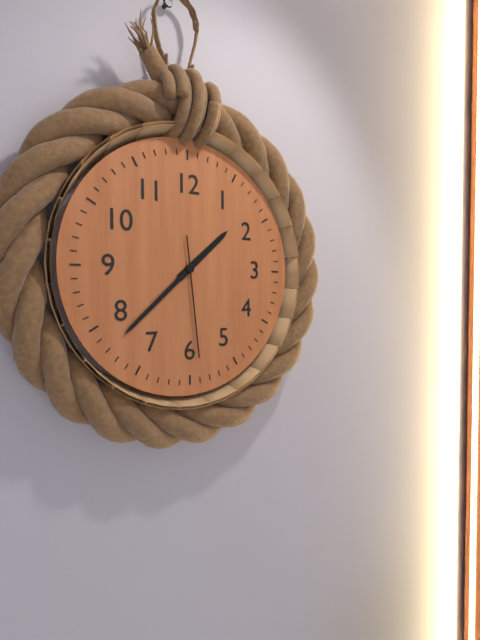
1:38:29
